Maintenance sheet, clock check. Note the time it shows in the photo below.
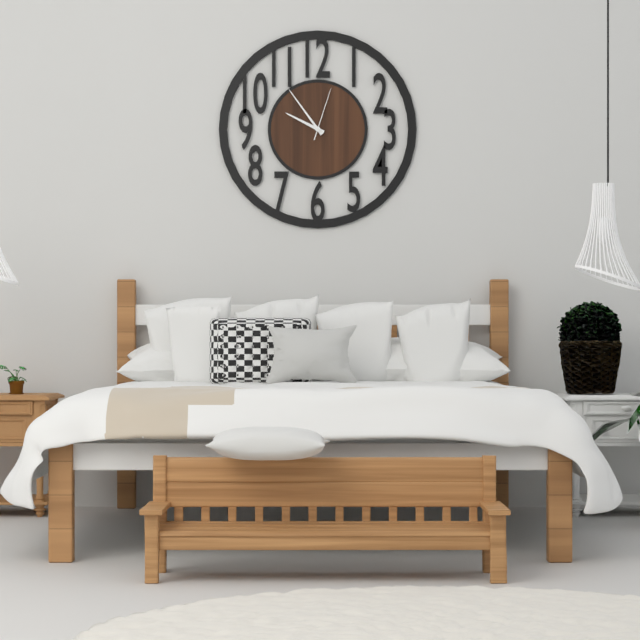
9:54:03
